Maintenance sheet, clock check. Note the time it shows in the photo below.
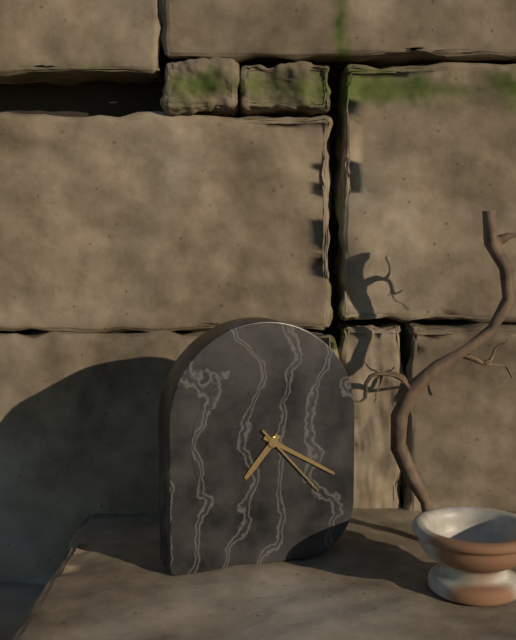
7:20:23
